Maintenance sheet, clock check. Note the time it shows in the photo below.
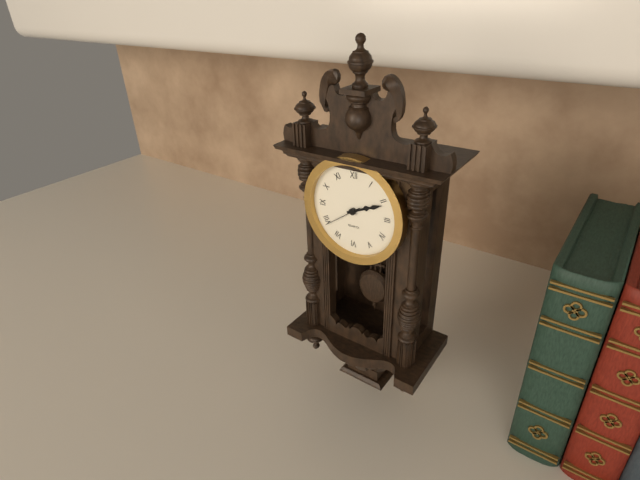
2:11
